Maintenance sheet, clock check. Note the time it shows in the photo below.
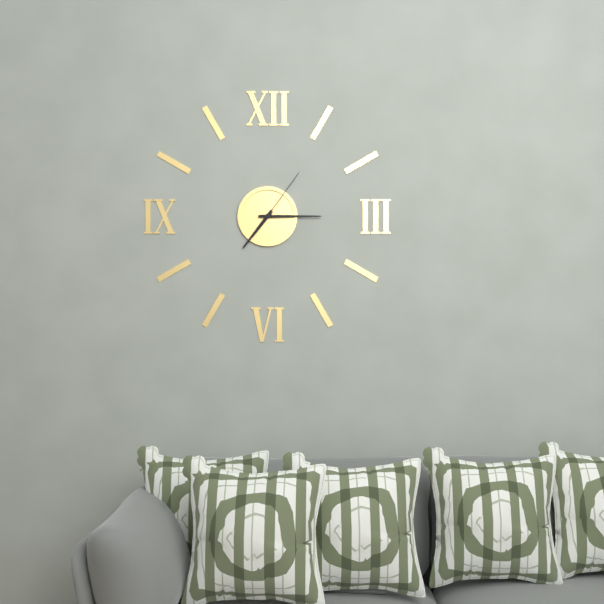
7:15:06
